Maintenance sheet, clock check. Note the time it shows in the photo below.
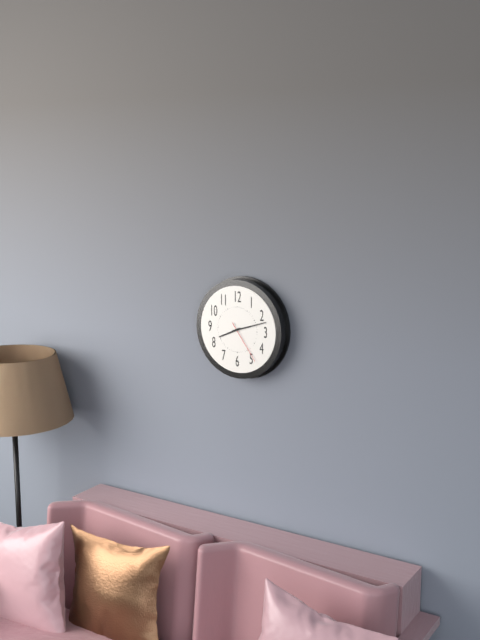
8:12
